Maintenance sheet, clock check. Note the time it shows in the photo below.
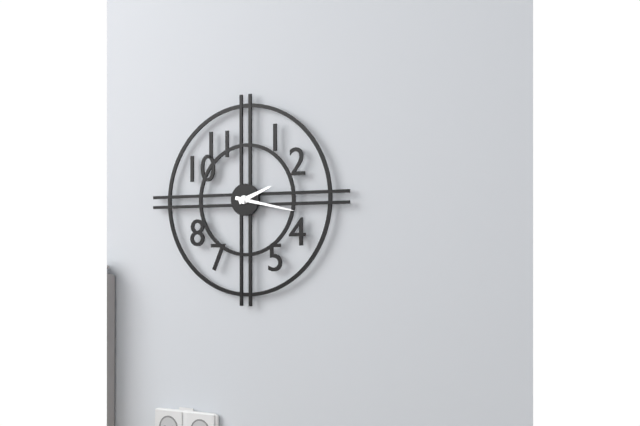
2:17
